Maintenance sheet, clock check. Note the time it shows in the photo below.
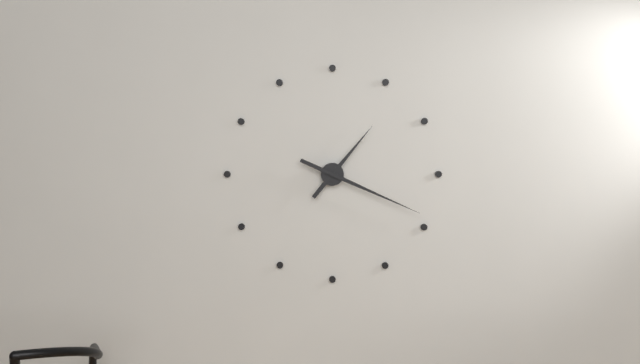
1:19
